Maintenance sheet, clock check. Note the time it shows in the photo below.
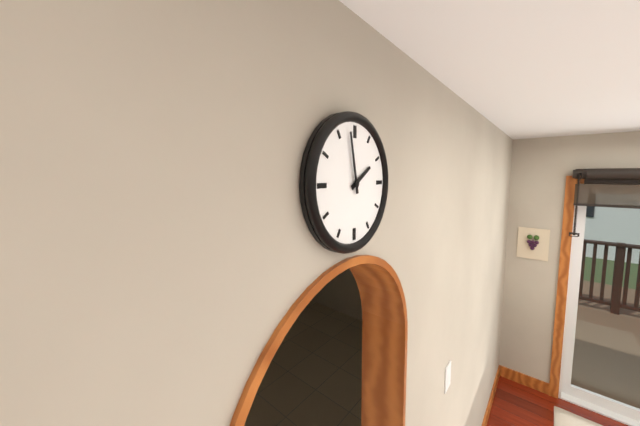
1:58
